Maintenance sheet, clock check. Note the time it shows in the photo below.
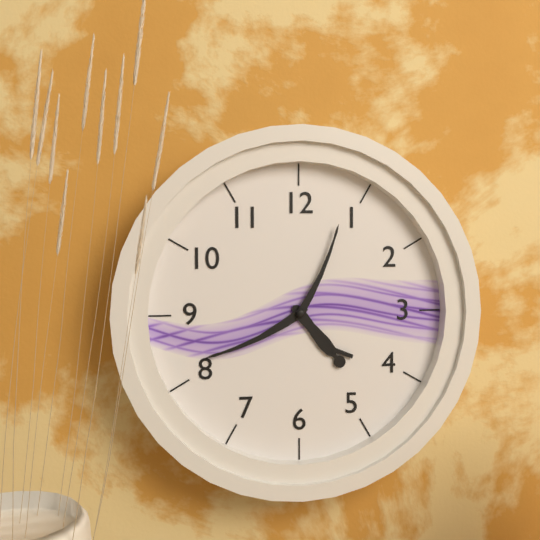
4:41:04
